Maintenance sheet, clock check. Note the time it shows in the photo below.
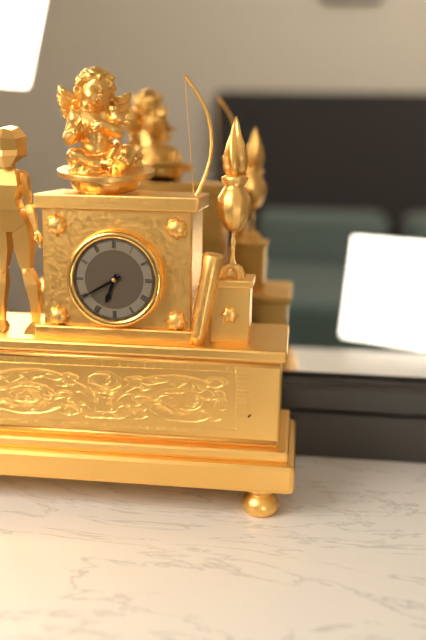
6:40
